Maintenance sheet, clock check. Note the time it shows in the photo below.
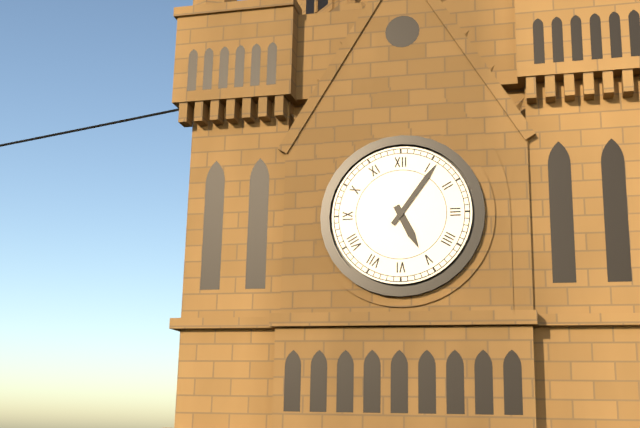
5:06
